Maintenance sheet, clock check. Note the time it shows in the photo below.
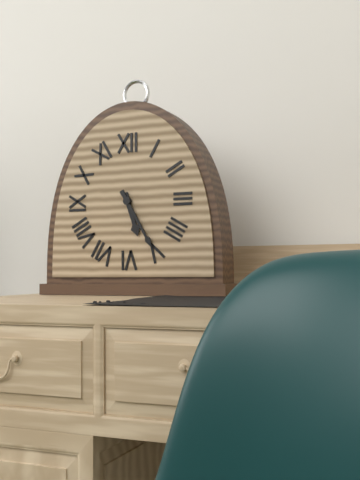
5:25
